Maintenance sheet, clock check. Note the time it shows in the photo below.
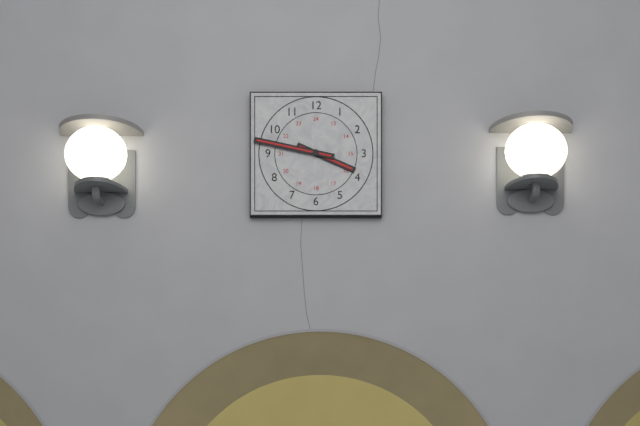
3:47
